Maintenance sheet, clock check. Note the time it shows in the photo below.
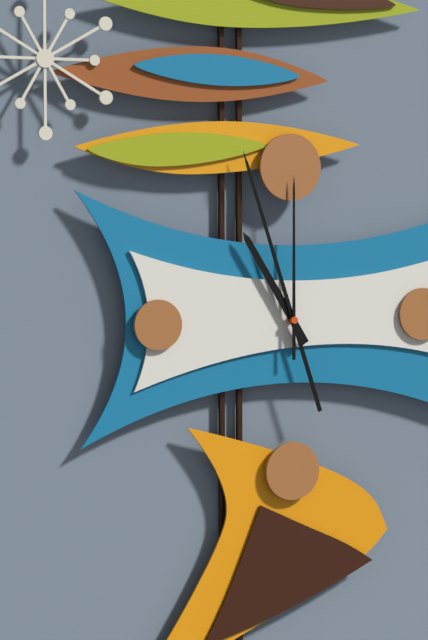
10:57:00
